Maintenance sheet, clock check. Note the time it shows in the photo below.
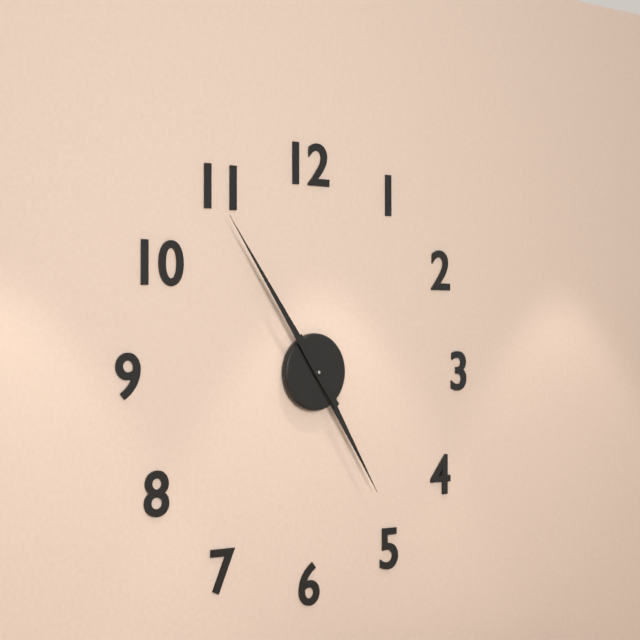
4:54
